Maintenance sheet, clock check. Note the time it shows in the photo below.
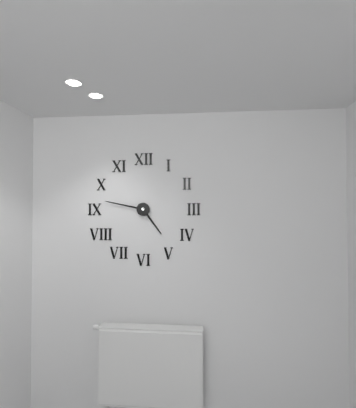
4:47
